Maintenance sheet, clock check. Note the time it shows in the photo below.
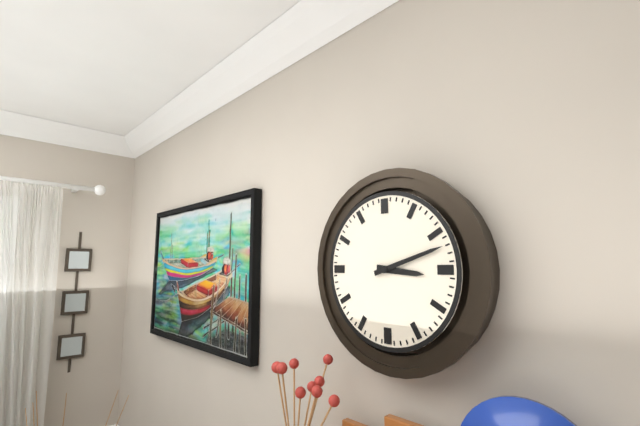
3:12
